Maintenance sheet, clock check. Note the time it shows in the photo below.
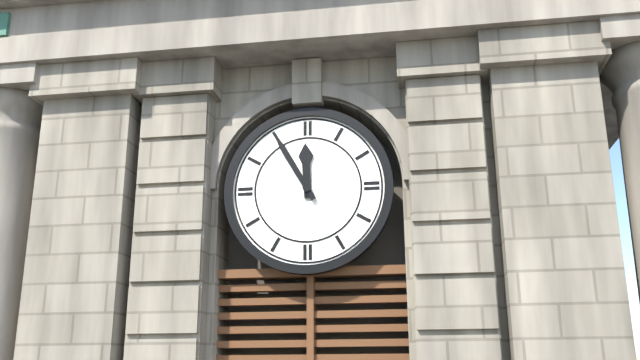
11:55
